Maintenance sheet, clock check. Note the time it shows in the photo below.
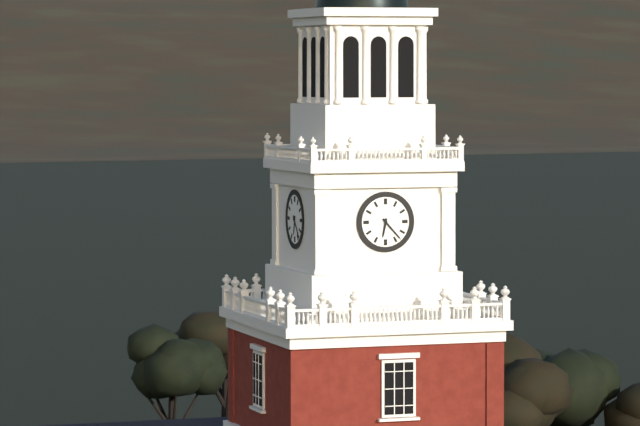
6:23
